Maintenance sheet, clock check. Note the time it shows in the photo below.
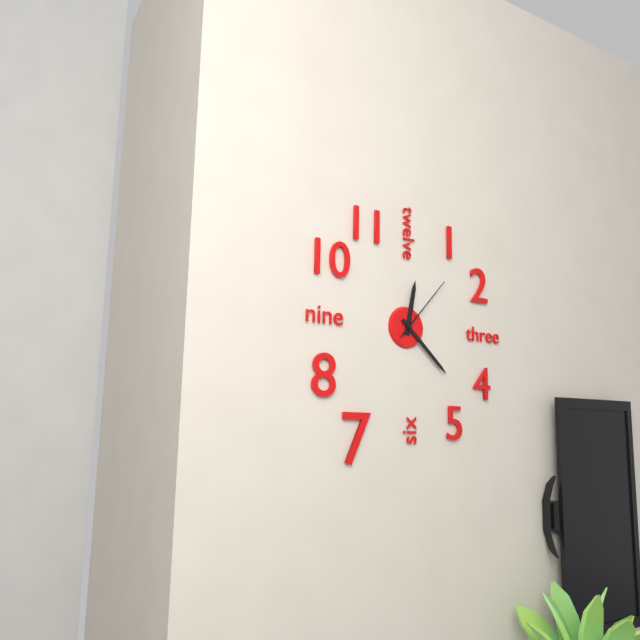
12:22:07
